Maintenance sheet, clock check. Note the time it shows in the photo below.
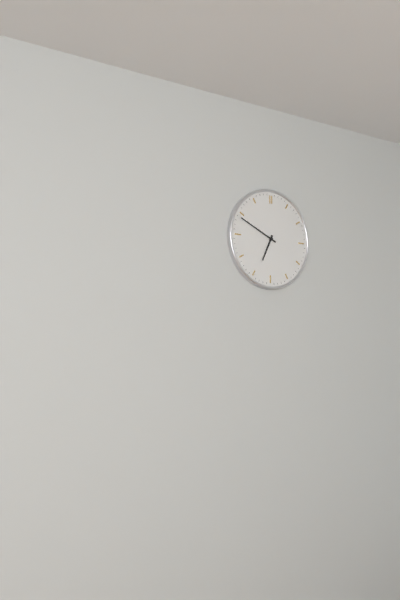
6:49
